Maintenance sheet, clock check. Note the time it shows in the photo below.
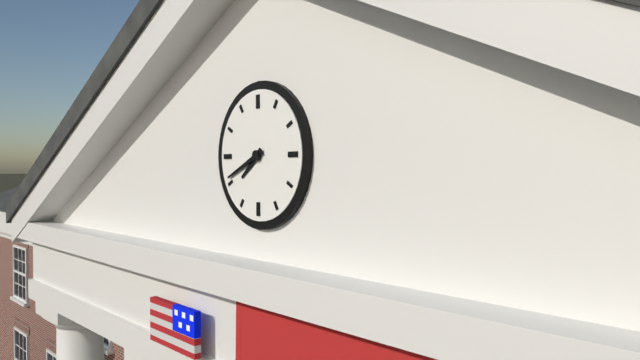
7:41
